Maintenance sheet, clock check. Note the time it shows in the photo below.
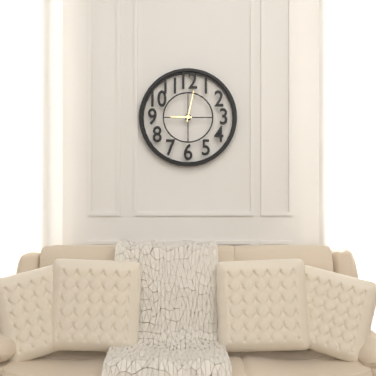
9:02
